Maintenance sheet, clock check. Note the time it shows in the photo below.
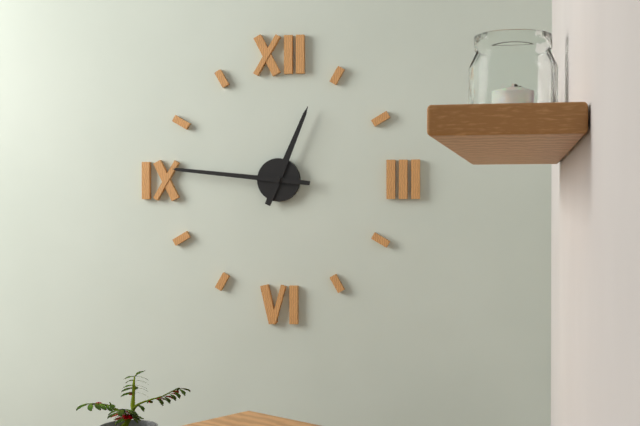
12:46
